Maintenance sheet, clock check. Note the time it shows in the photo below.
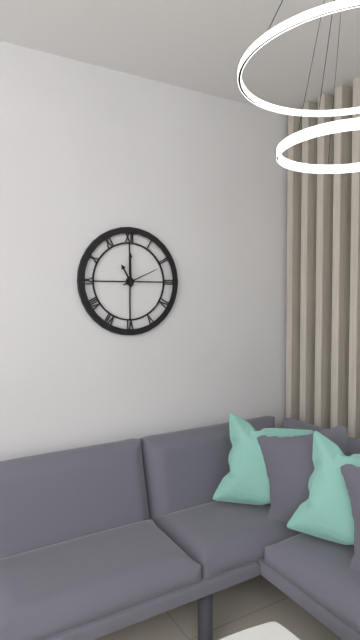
11:00
